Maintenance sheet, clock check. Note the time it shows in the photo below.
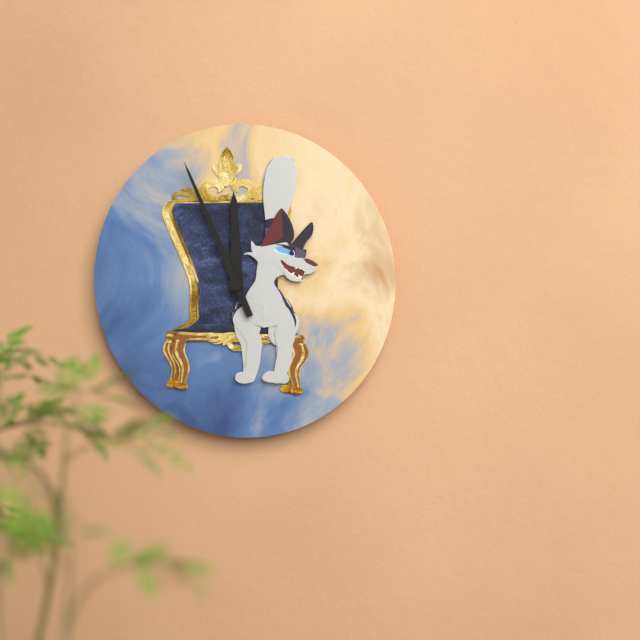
11:56
